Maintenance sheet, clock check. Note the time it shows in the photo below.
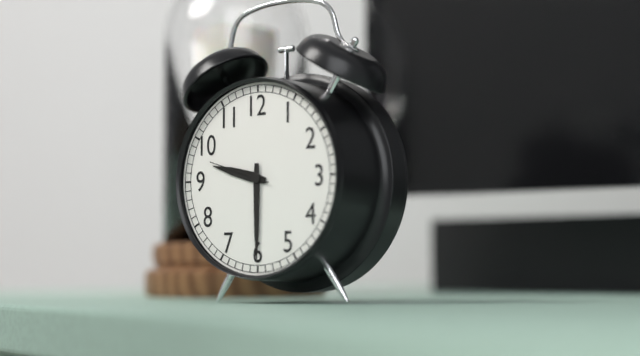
9:30:48
